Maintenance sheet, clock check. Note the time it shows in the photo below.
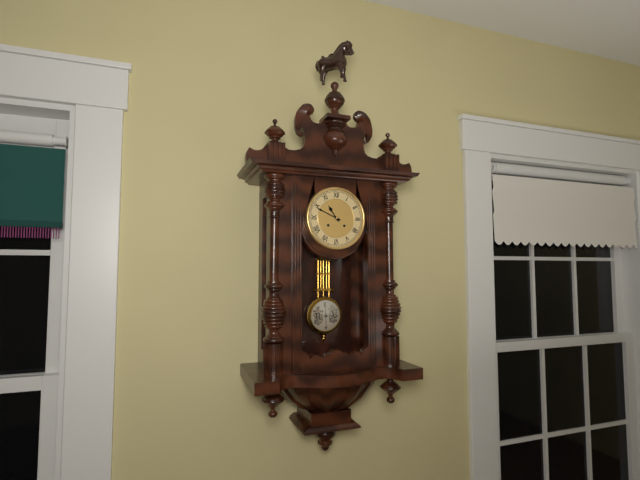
10:49
